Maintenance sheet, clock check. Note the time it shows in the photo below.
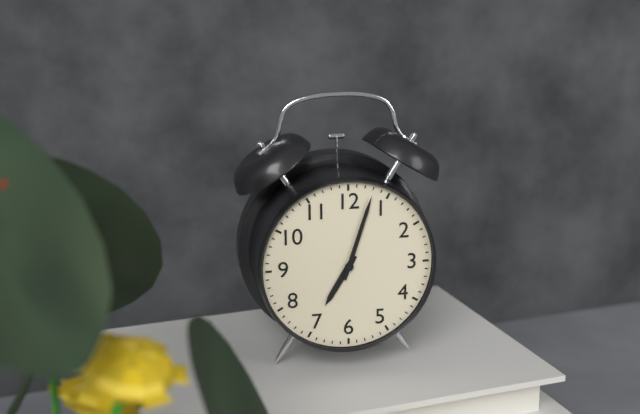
7:03
